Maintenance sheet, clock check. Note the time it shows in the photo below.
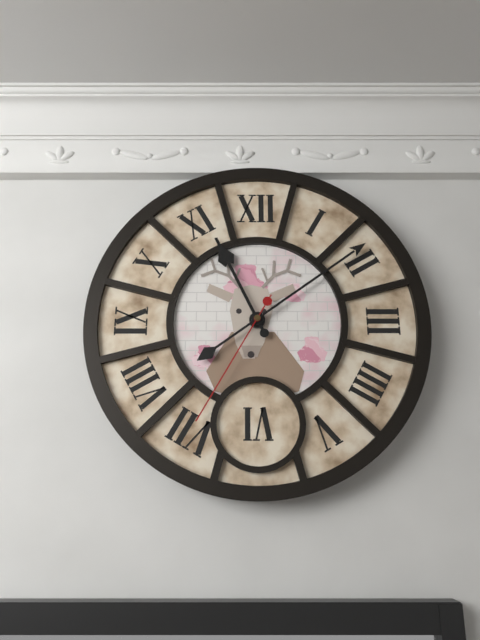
11:09:35
